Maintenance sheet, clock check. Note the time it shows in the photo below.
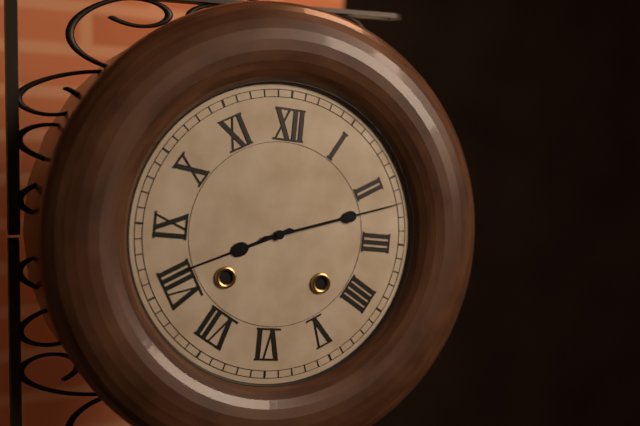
8:12
